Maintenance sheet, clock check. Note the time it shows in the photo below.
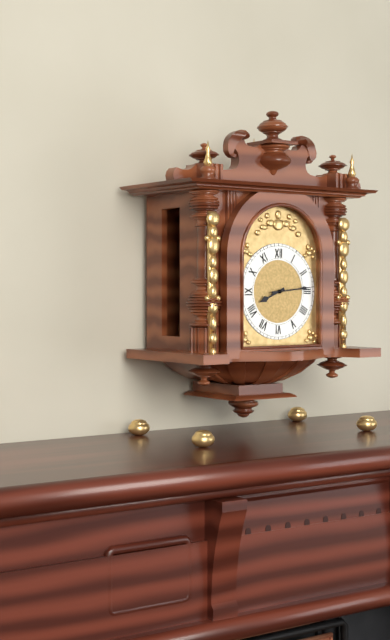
8:14
